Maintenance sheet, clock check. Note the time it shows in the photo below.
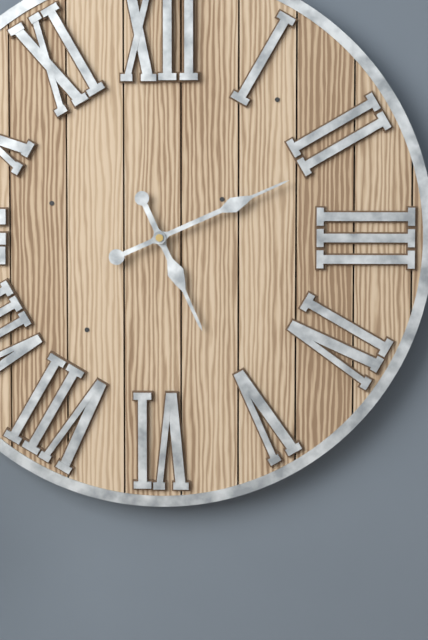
5:11
